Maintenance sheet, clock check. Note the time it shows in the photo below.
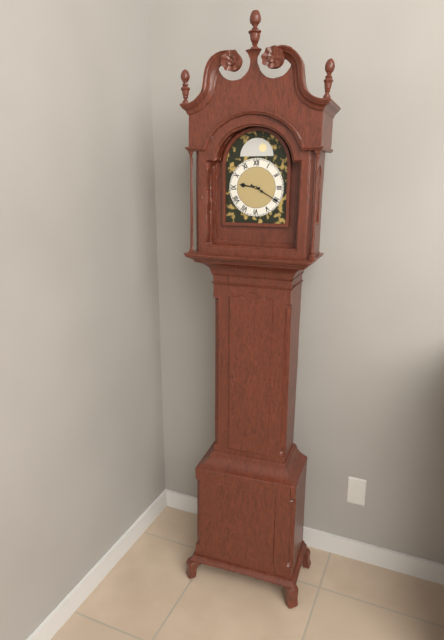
9:20
